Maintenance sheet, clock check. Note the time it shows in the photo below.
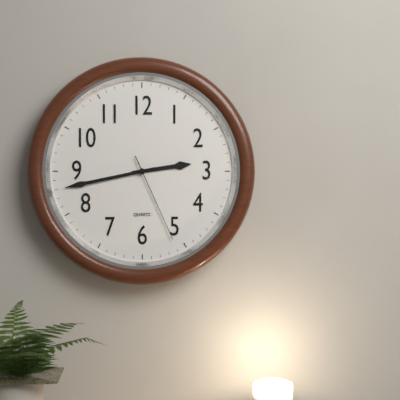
2:43:26
